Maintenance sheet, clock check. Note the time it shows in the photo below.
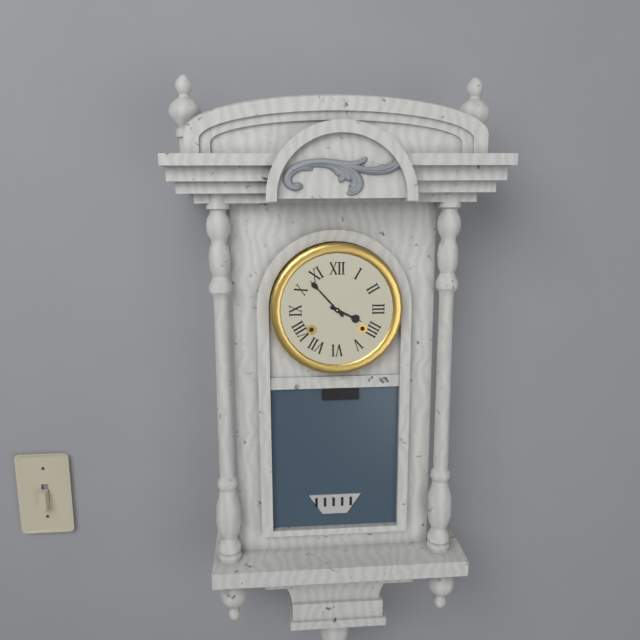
3:53
